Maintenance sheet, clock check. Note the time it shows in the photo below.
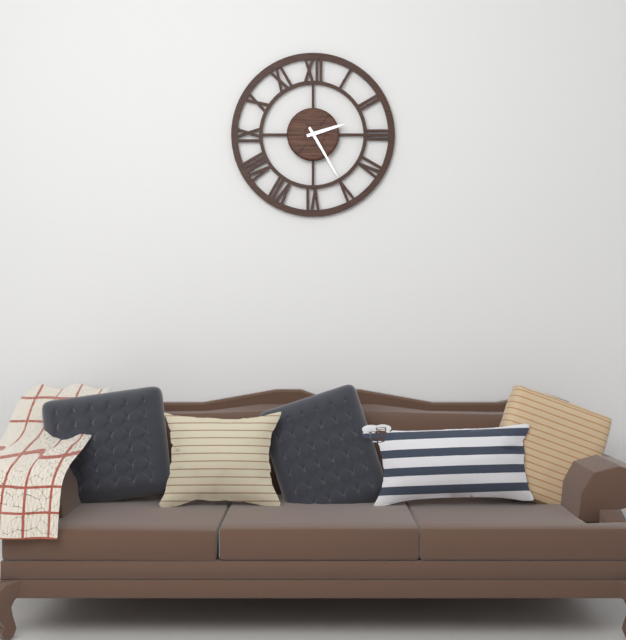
2:25
